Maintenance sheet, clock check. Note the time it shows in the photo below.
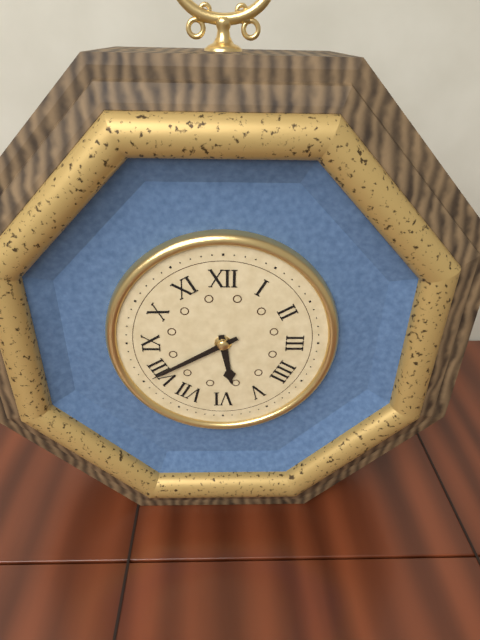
5:40
